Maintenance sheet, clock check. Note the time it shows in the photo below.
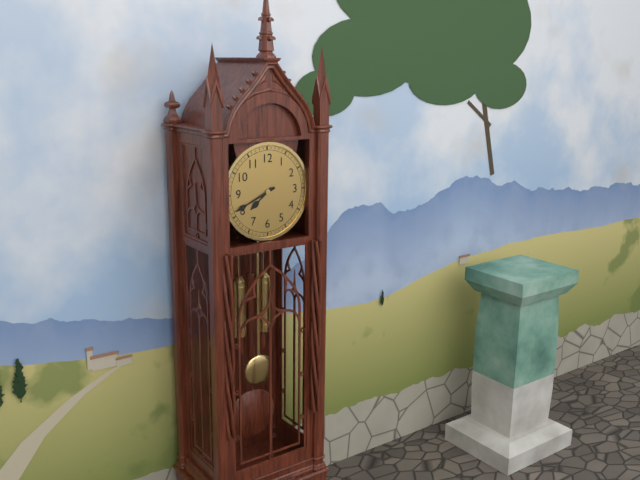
7:41
